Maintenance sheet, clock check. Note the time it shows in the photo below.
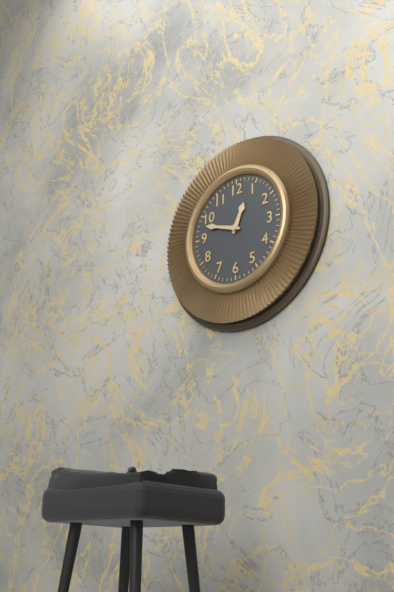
12:48
